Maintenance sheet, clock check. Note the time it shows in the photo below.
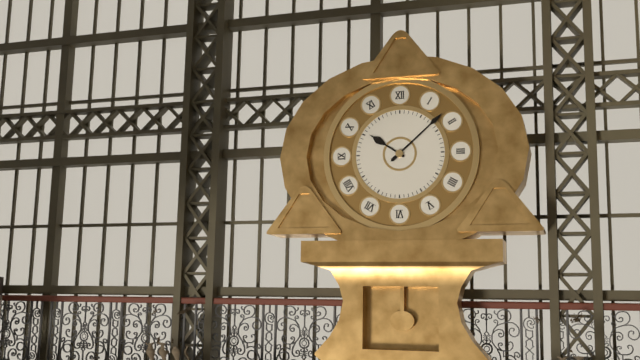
10:08
